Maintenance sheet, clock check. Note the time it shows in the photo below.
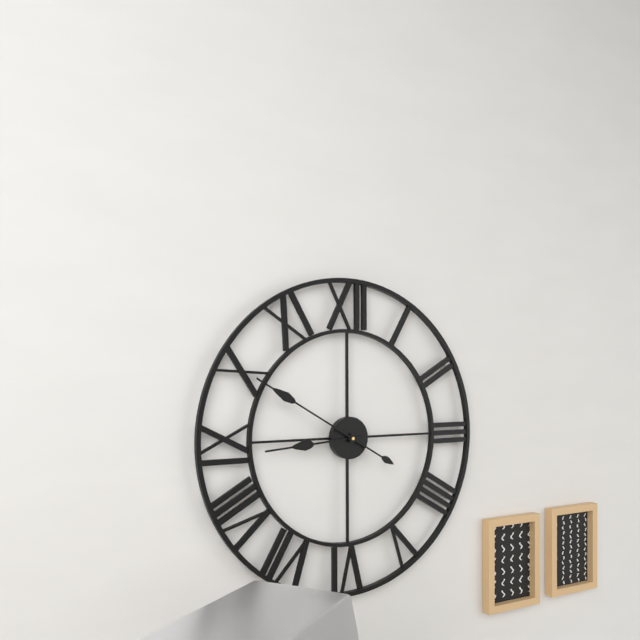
8:50
